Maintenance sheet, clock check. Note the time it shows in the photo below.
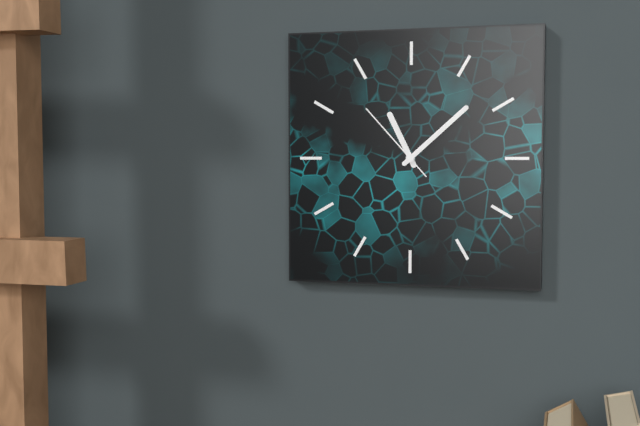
11:08:53
